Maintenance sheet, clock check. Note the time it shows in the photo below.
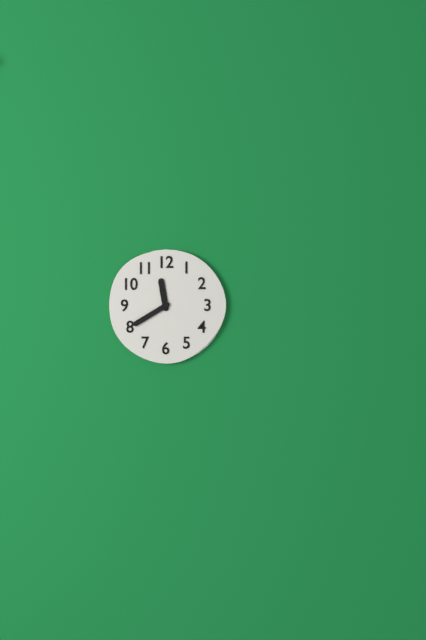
11:40
